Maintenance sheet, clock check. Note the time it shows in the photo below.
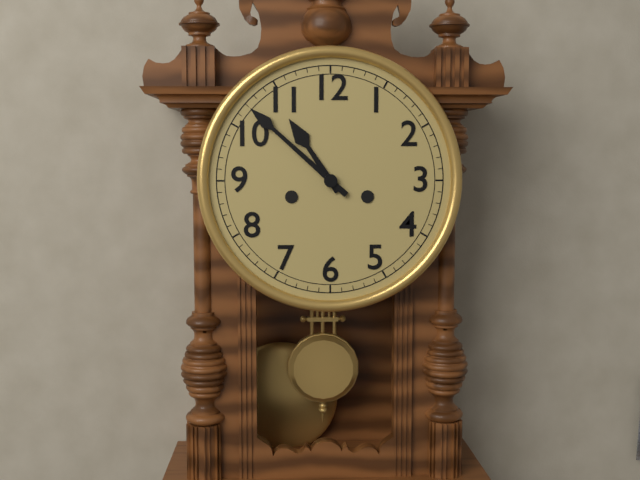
10:52
